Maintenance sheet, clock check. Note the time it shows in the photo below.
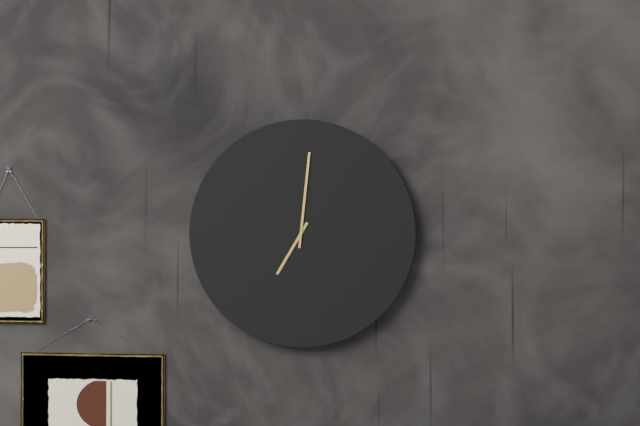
7:01
